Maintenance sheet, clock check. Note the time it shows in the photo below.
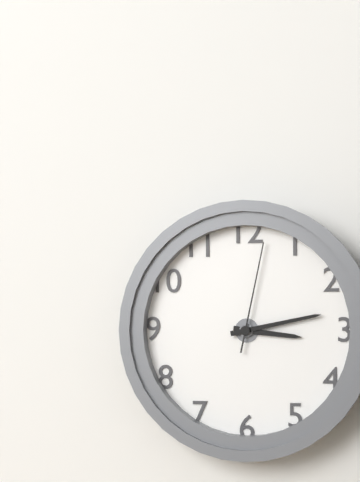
3:13:02
